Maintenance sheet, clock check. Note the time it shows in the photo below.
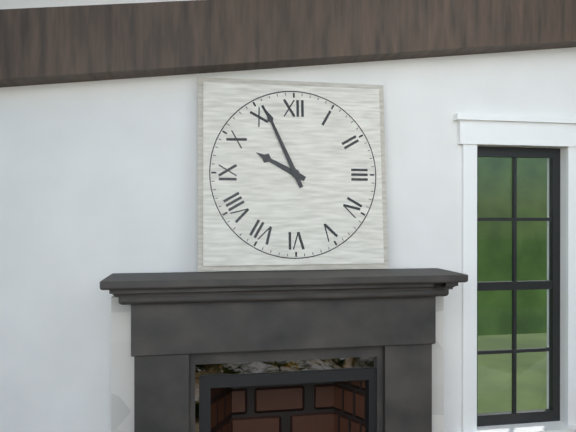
9:56
